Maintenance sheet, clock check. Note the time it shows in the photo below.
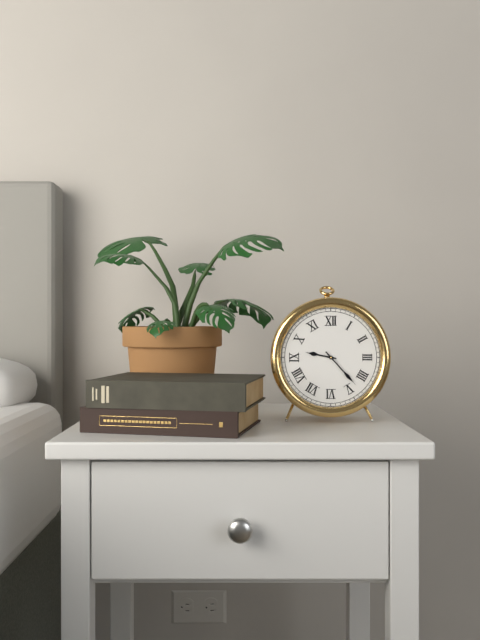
9:23
